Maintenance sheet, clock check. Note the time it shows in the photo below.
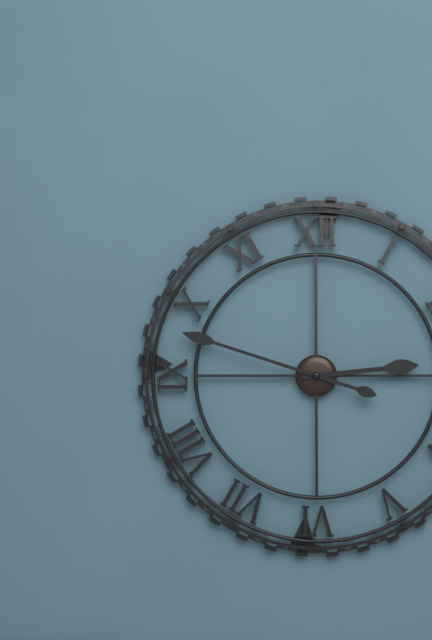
2:48
